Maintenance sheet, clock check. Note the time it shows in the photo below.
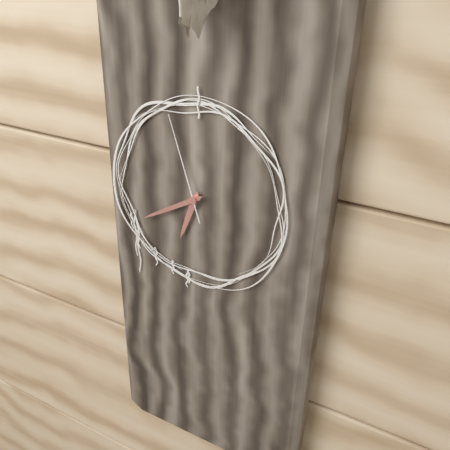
6:40:57
